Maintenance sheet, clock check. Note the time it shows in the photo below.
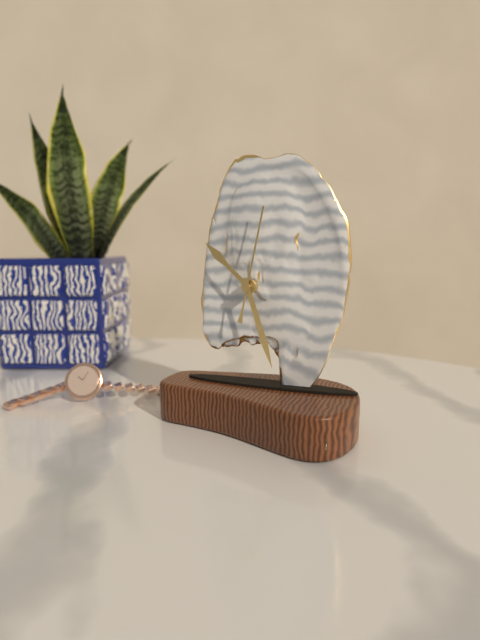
10:27:02
